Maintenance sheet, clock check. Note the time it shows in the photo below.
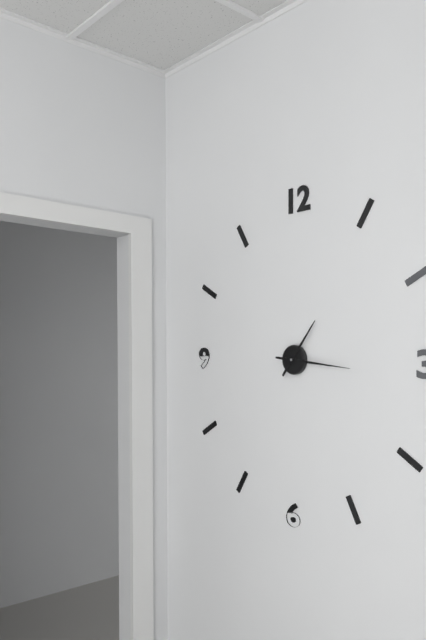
1:16
